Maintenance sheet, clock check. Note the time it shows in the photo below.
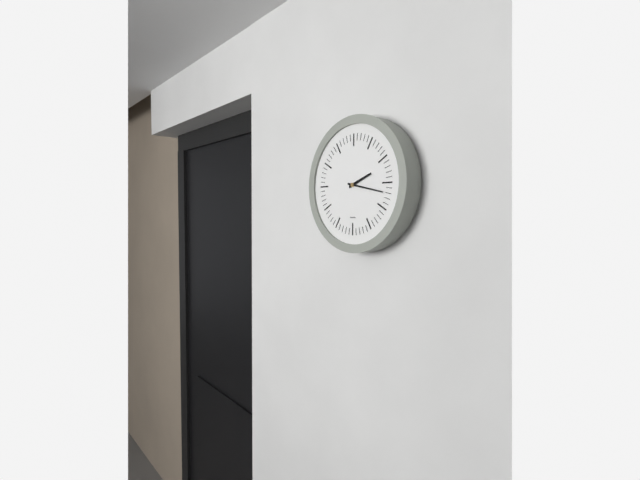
2:17
